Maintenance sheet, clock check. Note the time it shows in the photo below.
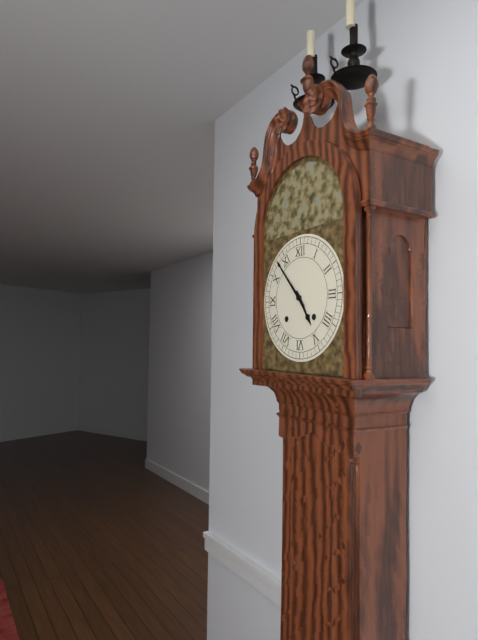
4:53
